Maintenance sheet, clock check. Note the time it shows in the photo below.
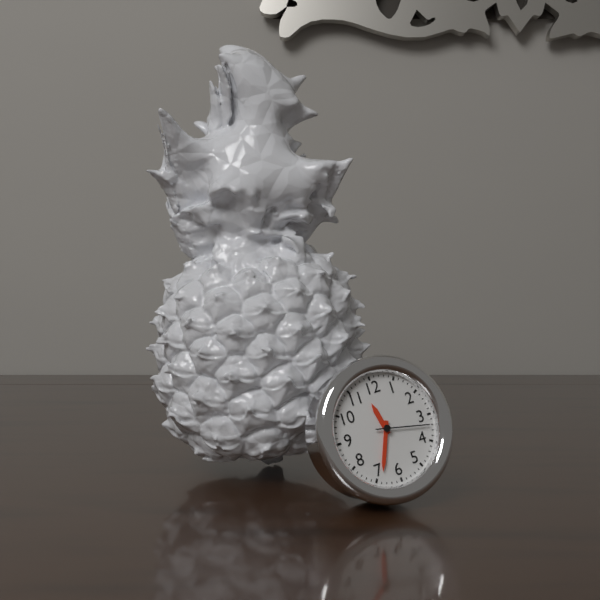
11:34:17
